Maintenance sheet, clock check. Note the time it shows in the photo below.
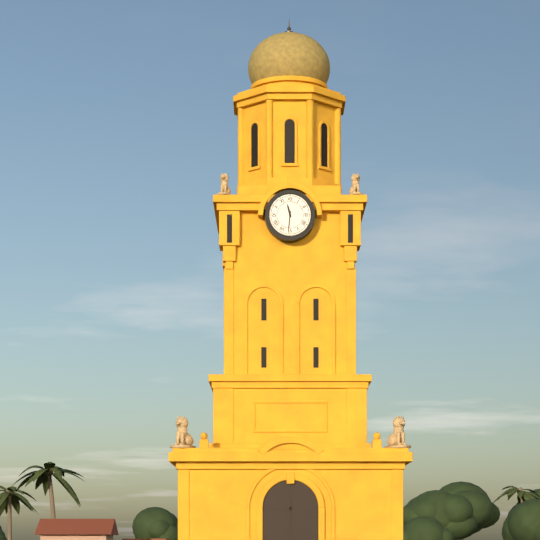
11:31
